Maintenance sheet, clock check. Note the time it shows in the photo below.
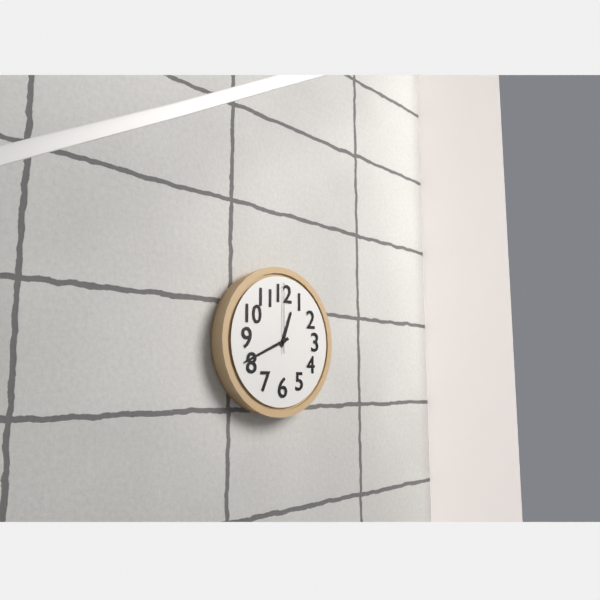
12:41:00
